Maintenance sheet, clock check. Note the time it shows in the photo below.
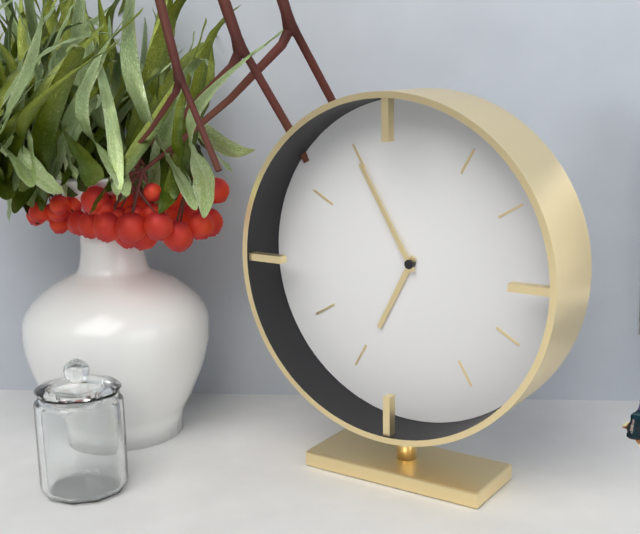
6:55
